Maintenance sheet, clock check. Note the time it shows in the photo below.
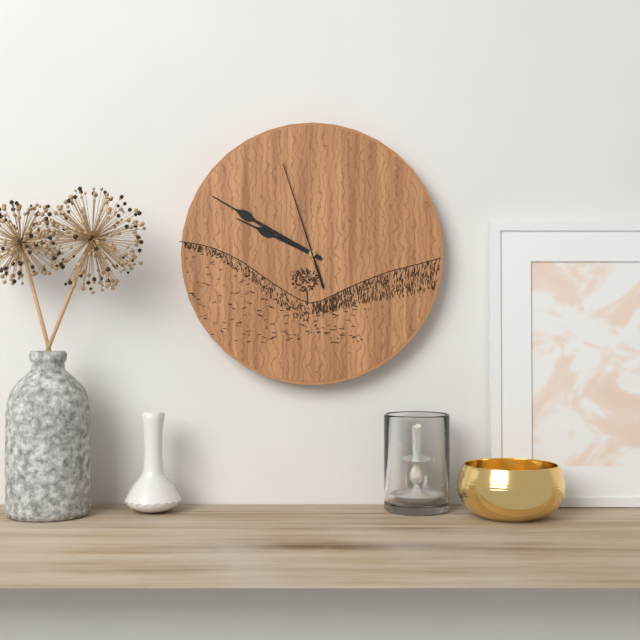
9:50:57
